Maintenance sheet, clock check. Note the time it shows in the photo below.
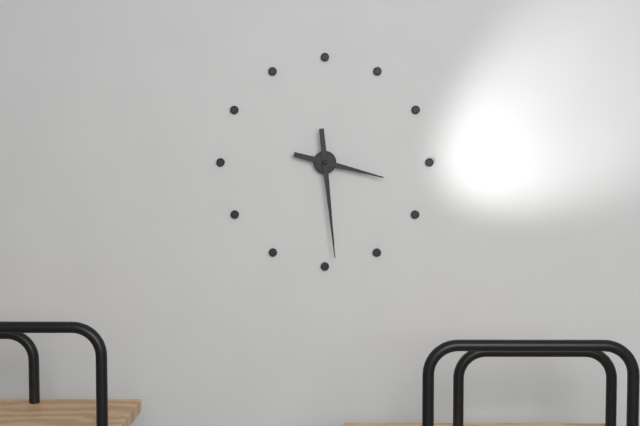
3:29
